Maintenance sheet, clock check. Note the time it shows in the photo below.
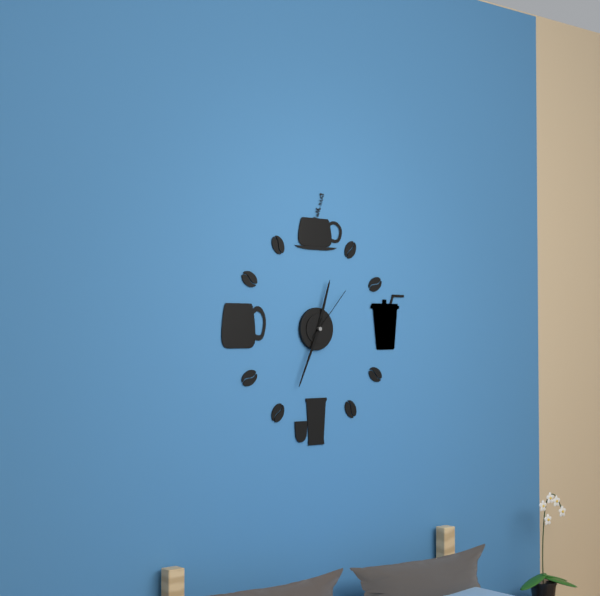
12:34:07
